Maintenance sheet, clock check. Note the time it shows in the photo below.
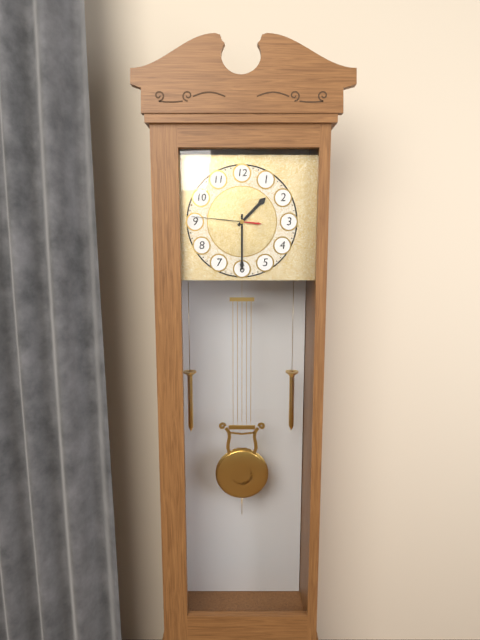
1:30:46
